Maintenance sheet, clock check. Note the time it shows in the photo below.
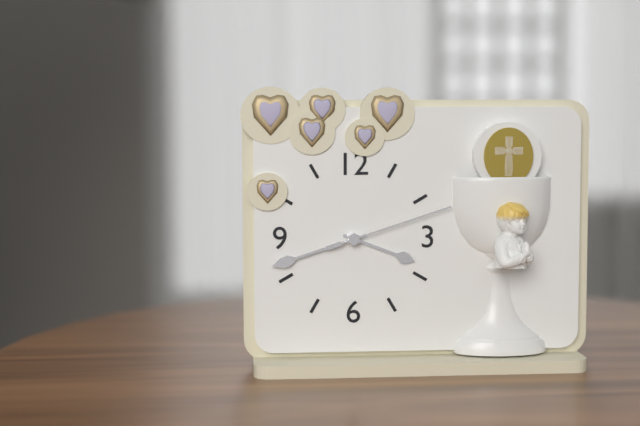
3:42:12
